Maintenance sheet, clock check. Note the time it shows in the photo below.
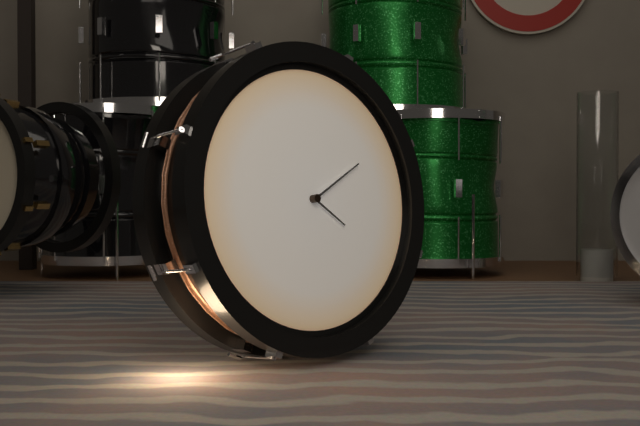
4:10
